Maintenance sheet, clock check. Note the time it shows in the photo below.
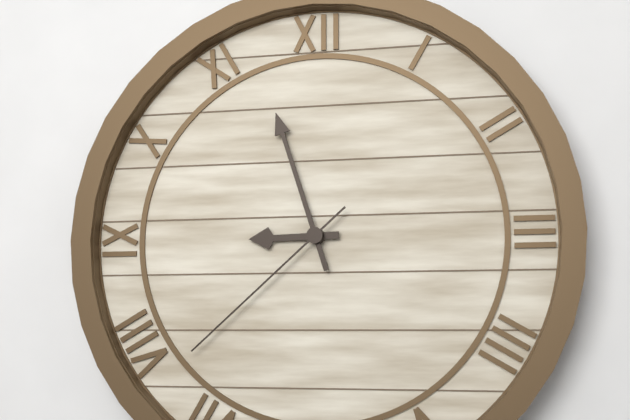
8:57:38
